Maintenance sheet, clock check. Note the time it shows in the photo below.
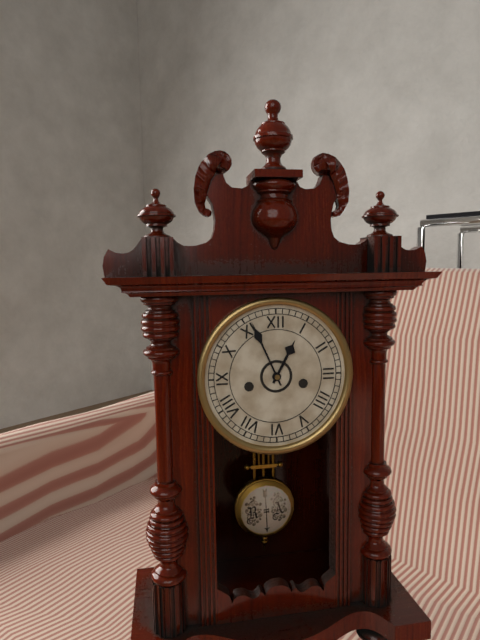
12:56
